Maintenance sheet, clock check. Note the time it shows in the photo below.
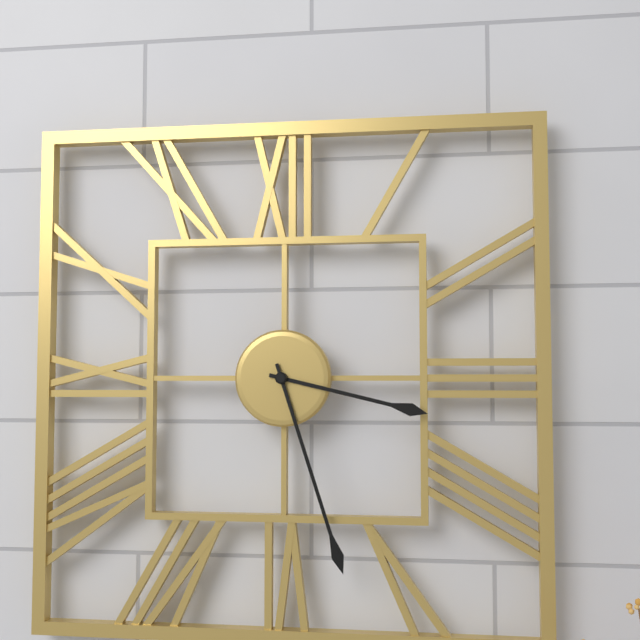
3:27
